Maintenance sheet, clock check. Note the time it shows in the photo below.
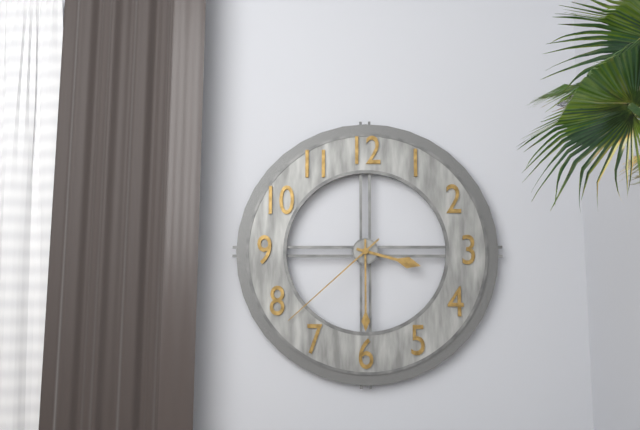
3:30:38
